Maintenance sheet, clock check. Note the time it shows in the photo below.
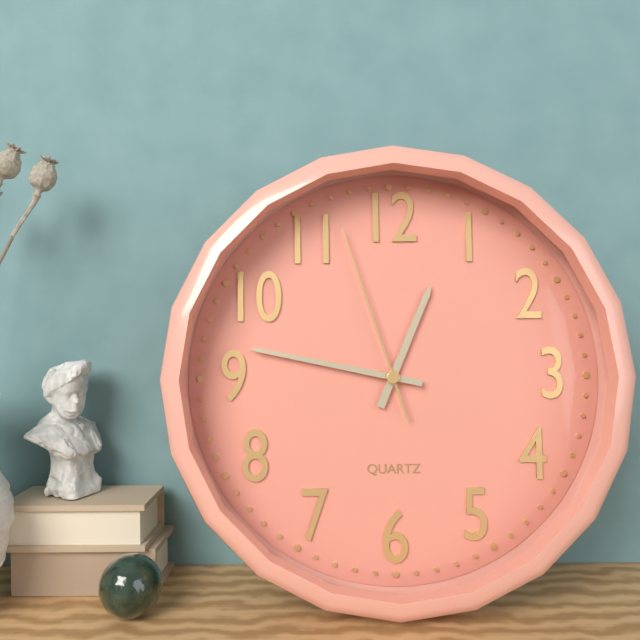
12:47:57
